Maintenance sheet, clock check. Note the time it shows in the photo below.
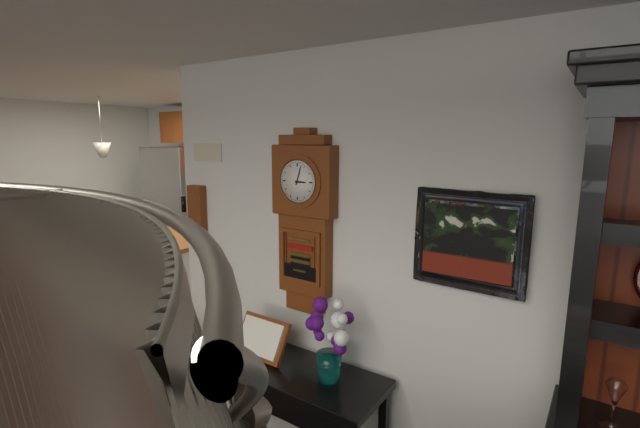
3:03
